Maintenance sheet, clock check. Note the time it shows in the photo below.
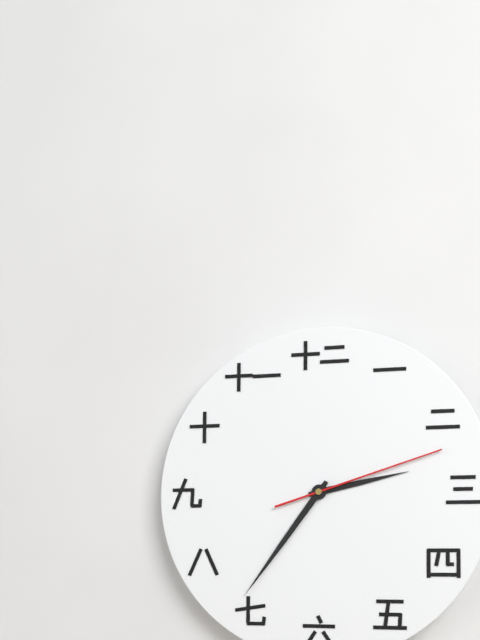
2:36:12
